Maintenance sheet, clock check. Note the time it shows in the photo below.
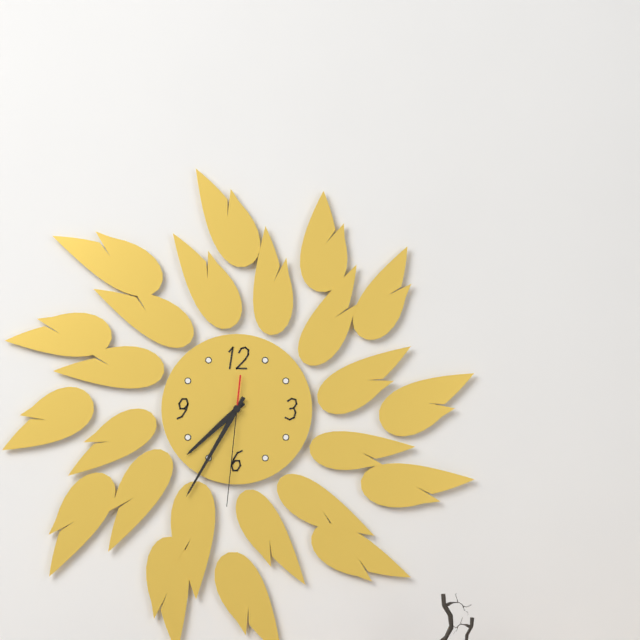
7:35:31
